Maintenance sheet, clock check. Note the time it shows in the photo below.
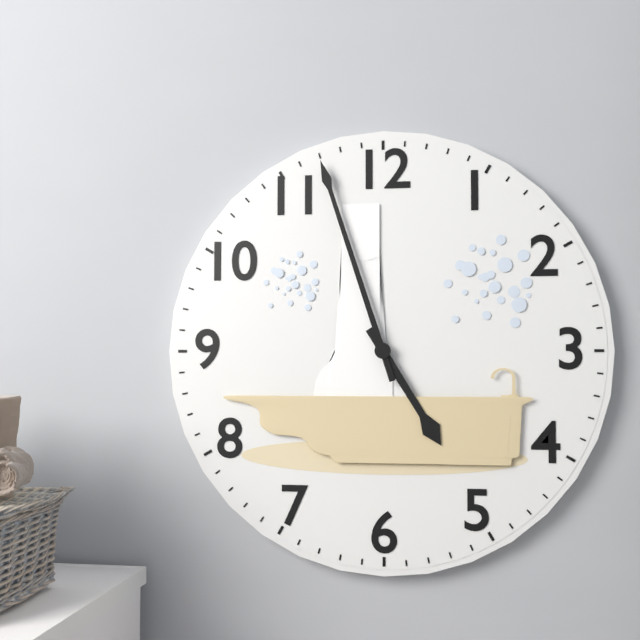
4:57
